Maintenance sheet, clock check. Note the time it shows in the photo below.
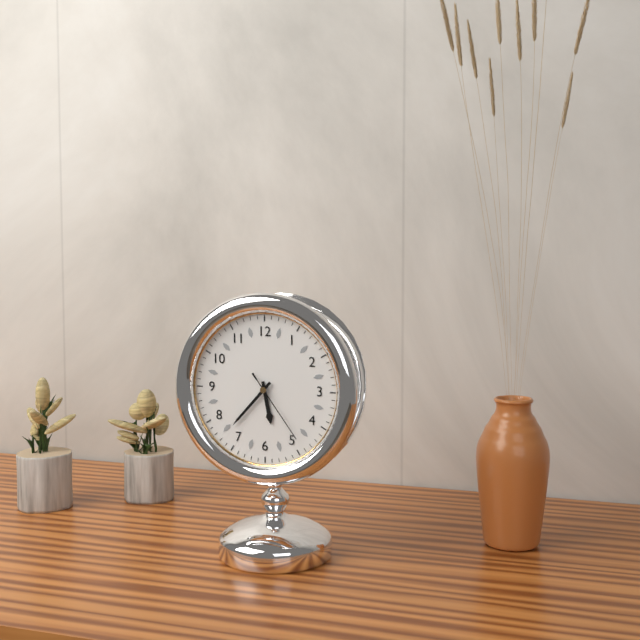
5:37:24
